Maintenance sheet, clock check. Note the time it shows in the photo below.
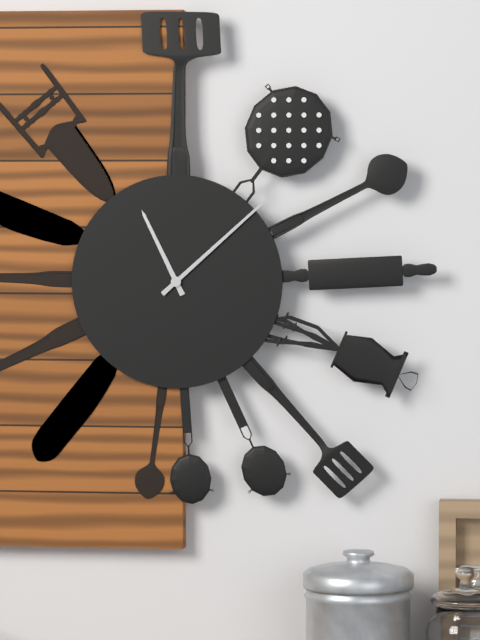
11:08
